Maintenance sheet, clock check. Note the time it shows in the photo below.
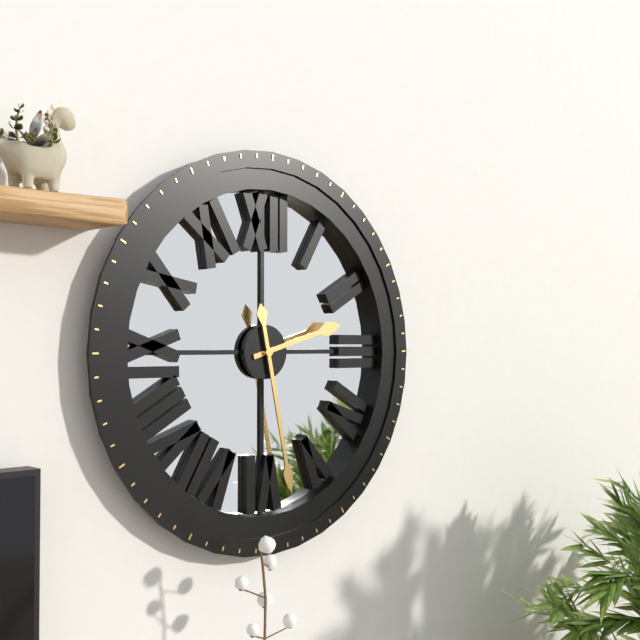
2:28
